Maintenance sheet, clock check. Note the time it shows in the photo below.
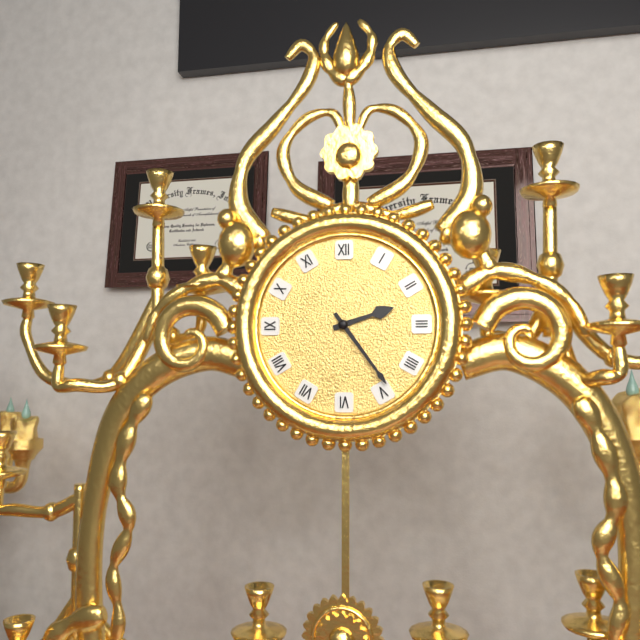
2:24
